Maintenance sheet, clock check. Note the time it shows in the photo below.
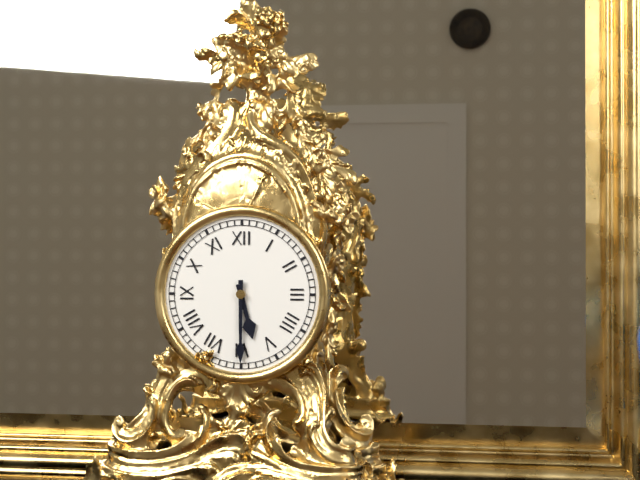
5:30
